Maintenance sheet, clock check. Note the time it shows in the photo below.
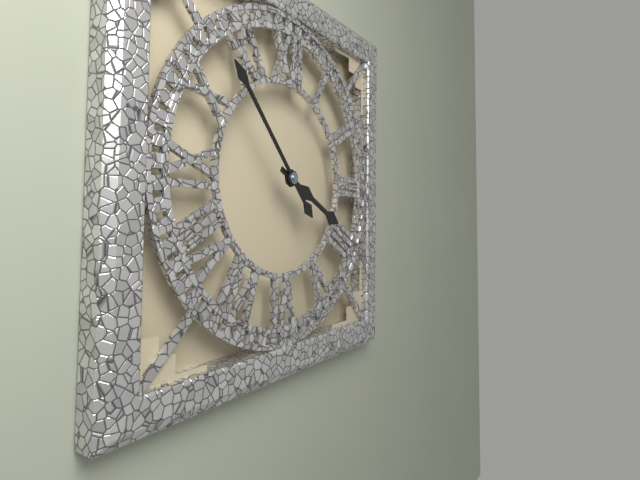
3:53
